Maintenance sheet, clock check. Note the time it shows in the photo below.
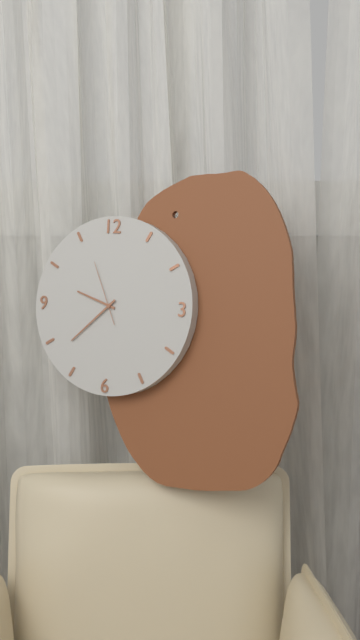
9:38:56
